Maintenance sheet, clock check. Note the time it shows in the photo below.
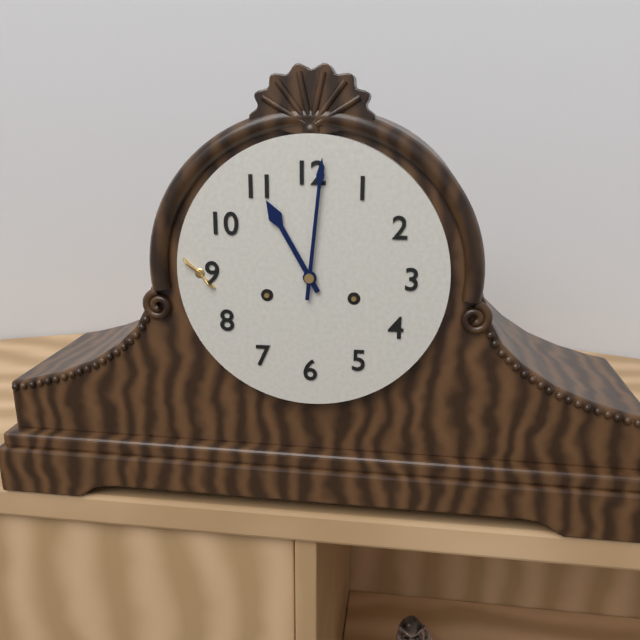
11:01
